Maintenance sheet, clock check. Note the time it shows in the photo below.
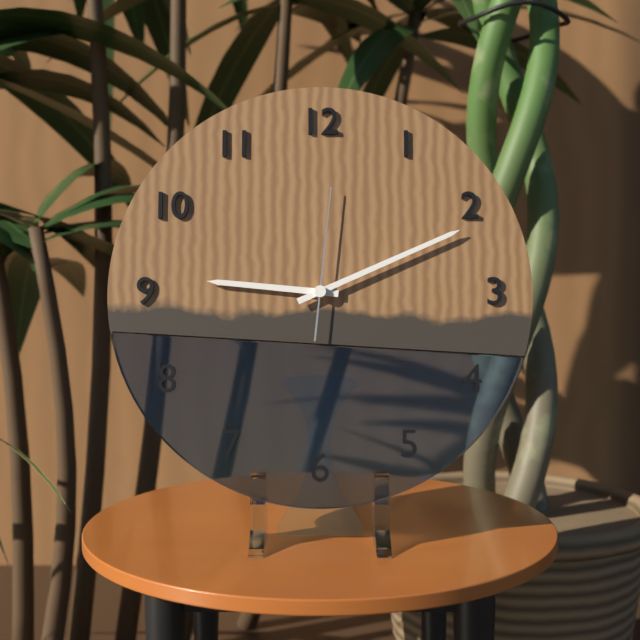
9:11:01
